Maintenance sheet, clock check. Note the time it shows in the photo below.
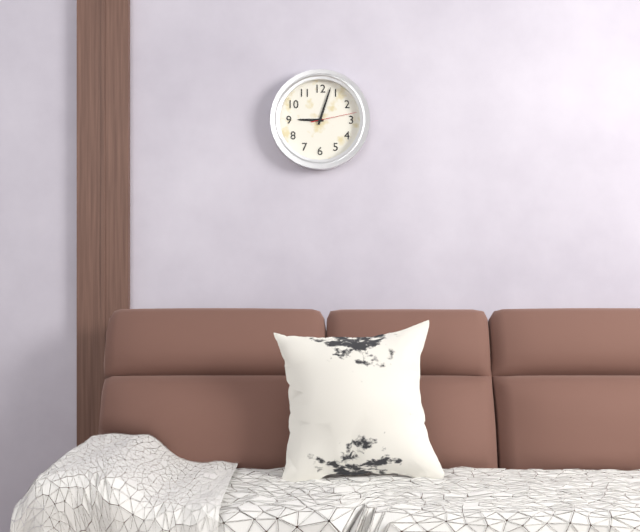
9:03
